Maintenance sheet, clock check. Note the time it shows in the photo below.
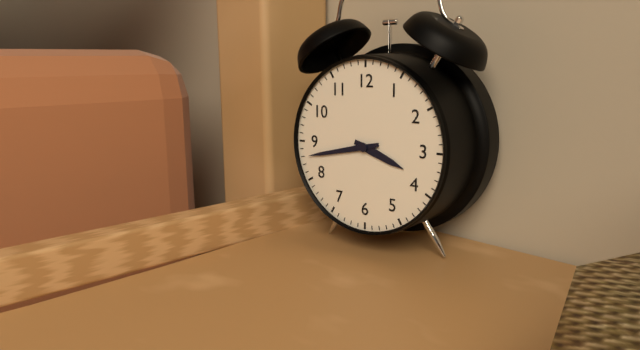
3:43
